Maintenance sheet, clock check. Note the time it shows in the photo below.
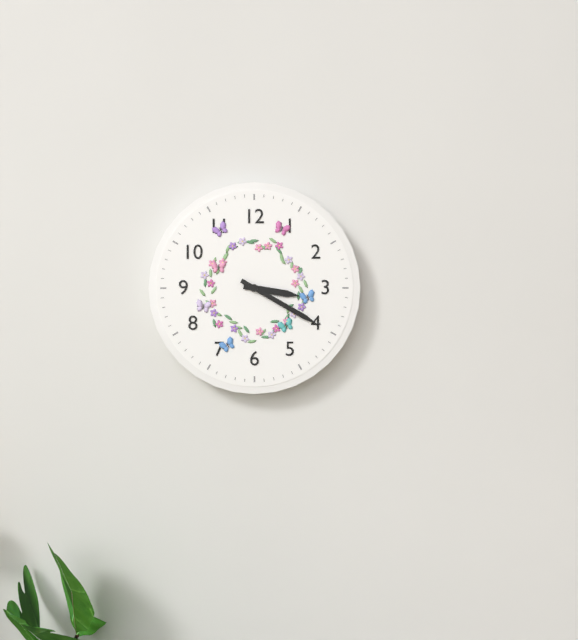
3:20
